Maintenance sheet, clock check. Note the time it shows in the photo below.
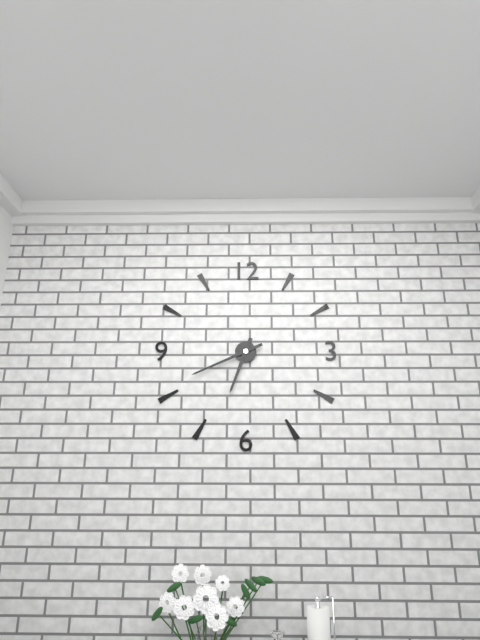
6:41
